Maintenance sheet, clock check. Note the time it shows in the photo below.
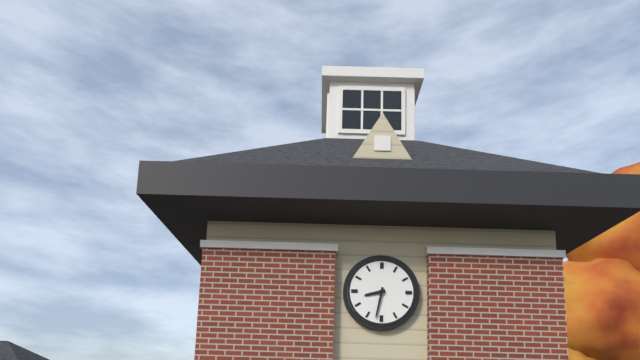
8:32
